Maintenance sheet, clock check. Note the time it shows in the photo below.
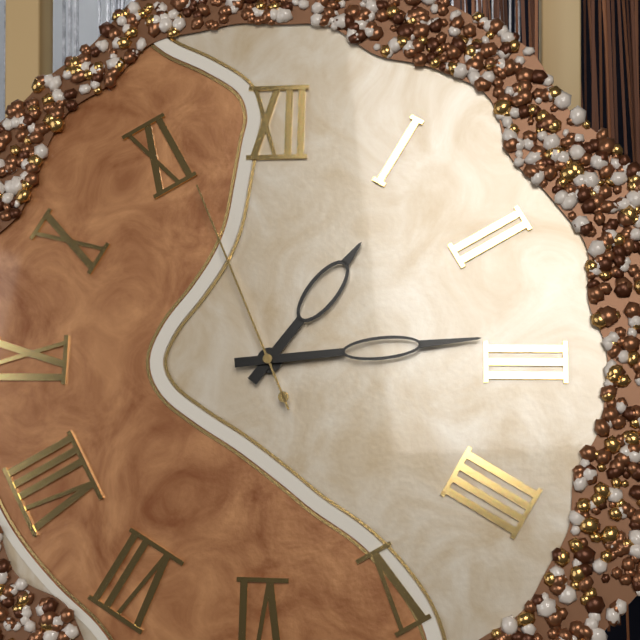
1:14:56
